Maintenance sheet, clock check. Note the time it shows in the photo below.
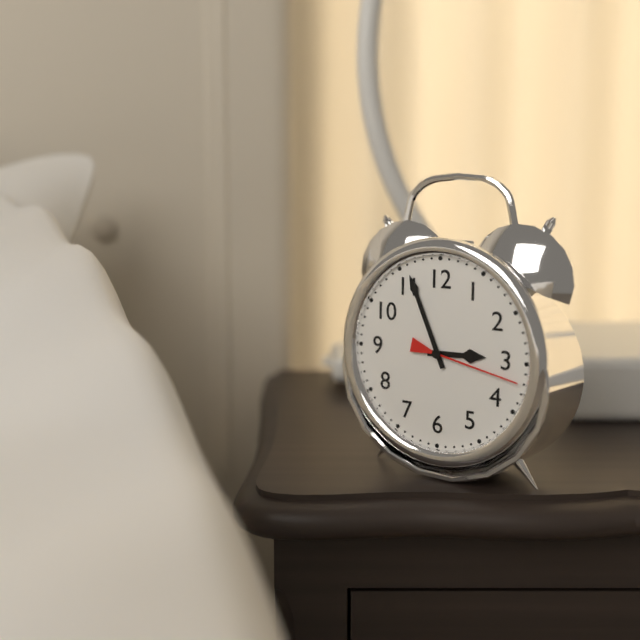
2:56:17
